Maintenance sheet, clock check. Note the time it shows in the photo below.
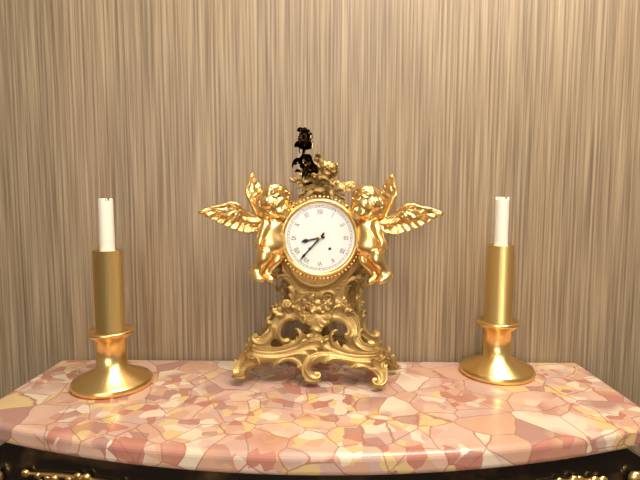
8:37
